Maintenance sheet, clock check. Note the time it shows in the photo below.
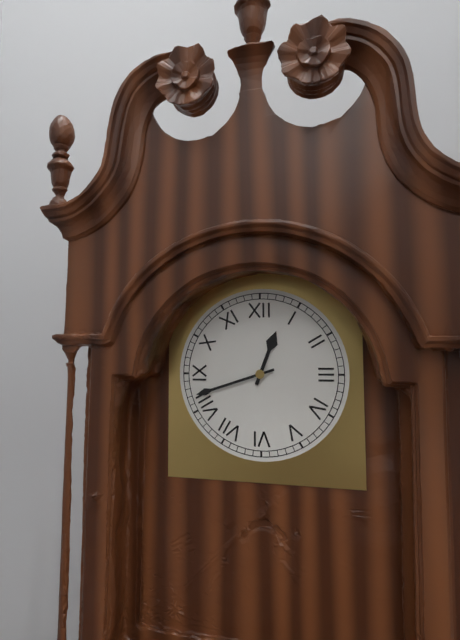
12:42
